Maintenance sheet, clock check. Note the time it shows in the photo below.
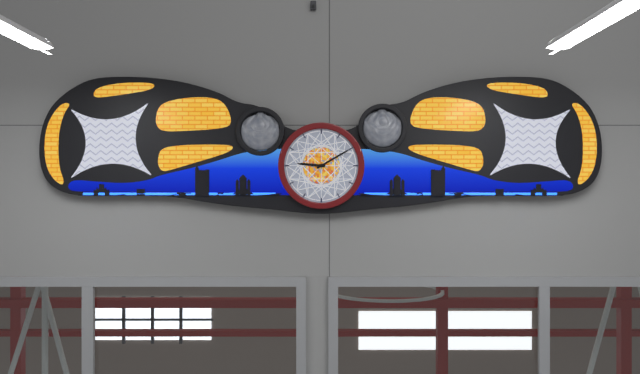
9:10
